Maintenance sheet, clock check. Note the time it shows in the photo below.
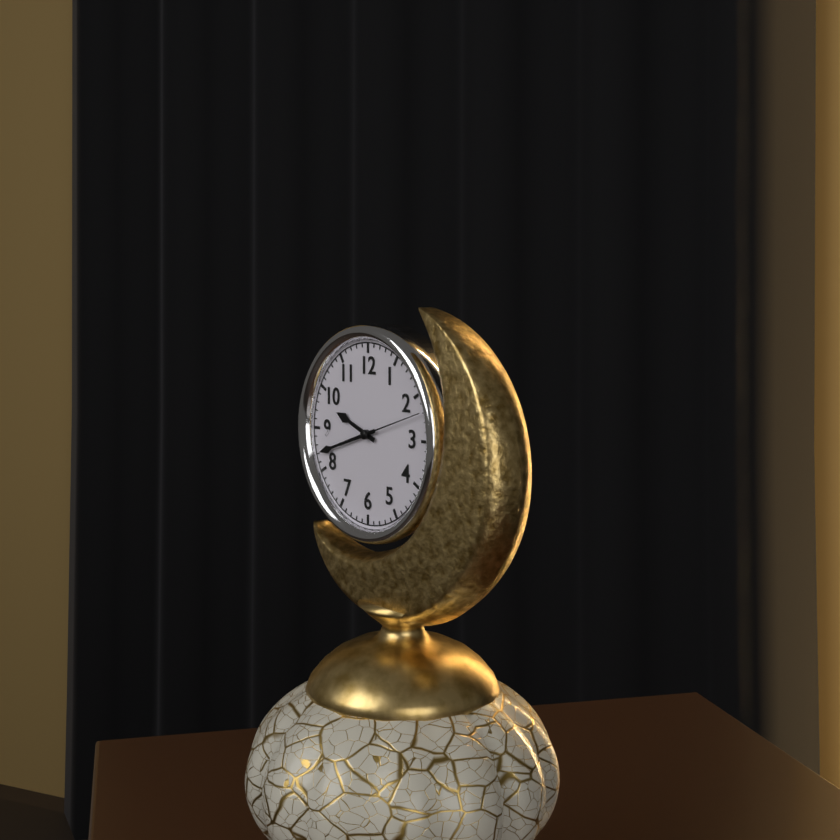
9:42:12
